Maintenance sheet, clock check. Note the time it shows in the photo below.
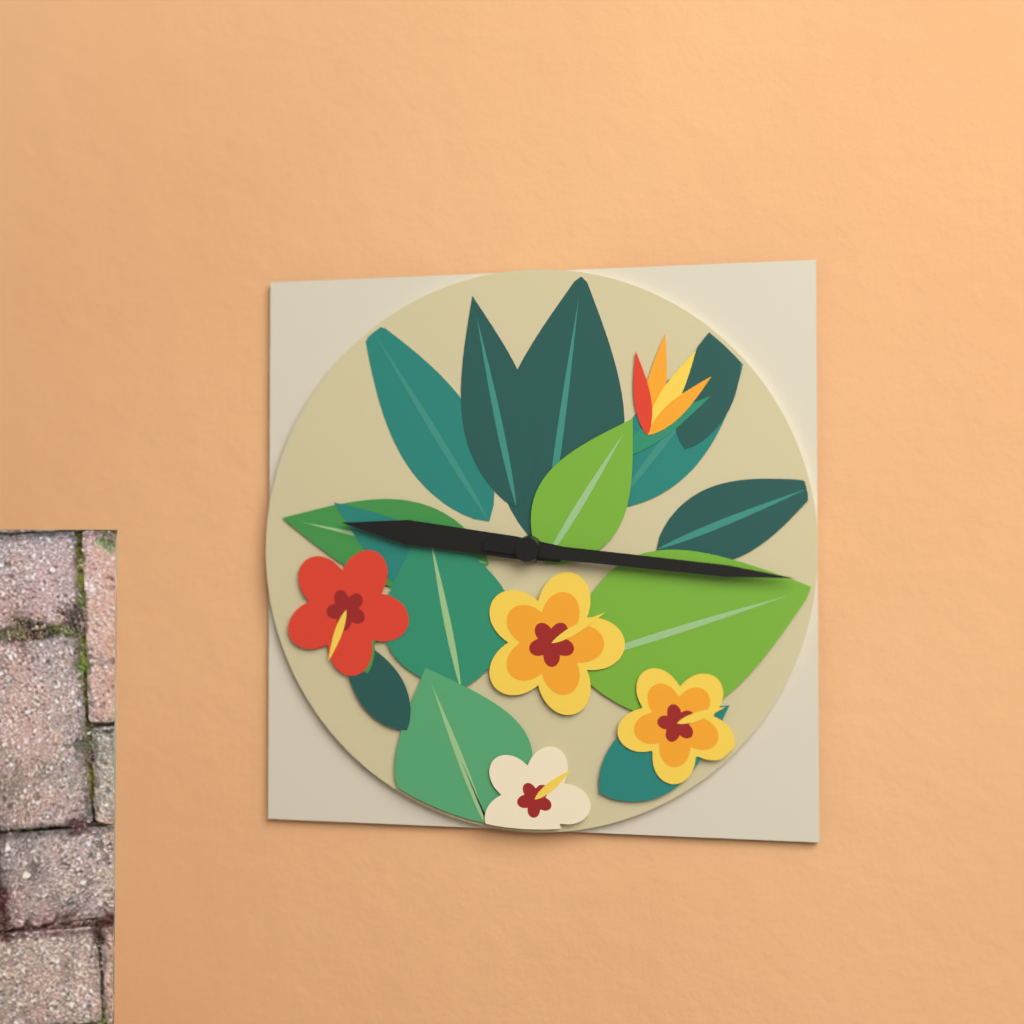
9:16
